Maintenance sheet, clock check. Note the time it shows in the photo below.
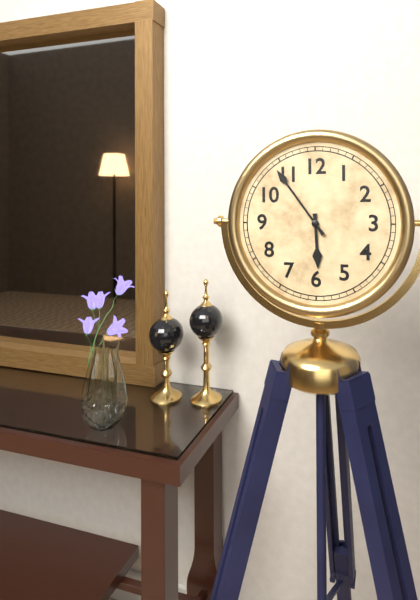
5:54
